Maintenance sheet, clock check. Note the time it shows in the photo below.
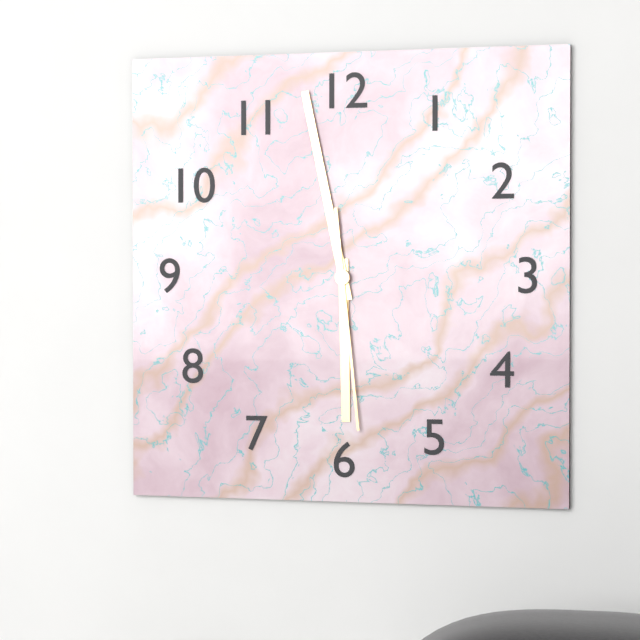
5:58:29
